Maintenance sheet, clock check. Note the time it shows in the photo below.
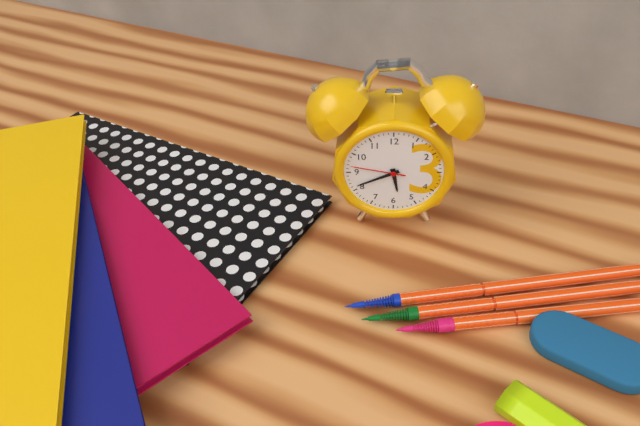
5:41:47
